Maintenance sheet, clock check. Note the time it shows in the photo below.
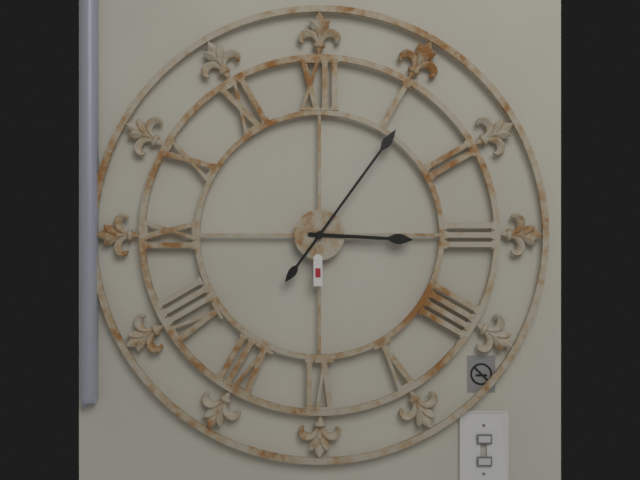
3:06
